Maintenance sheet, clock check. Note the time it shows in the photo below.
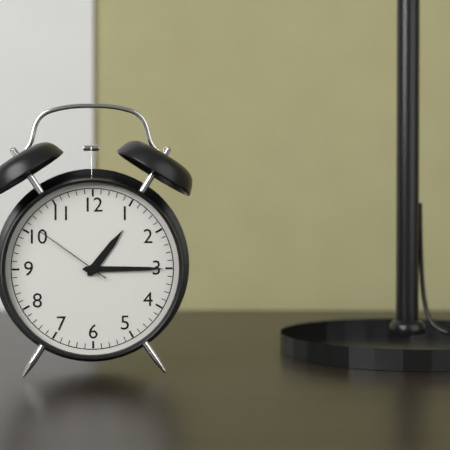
1:15:51
